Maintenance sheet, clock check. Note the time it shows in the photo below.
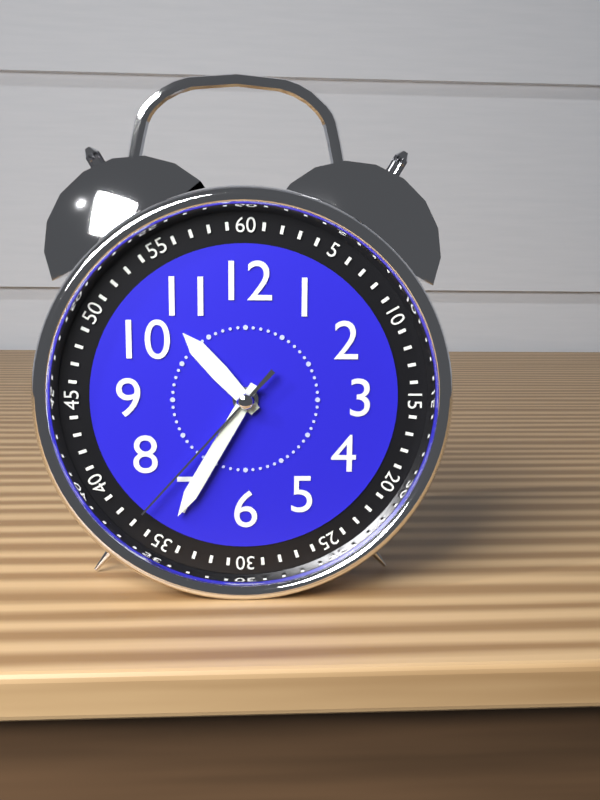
10:35:37
